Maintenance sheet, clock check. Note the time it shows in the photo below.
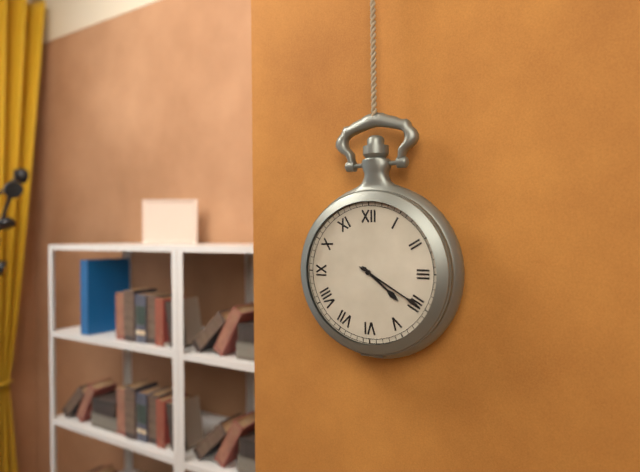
4:20
